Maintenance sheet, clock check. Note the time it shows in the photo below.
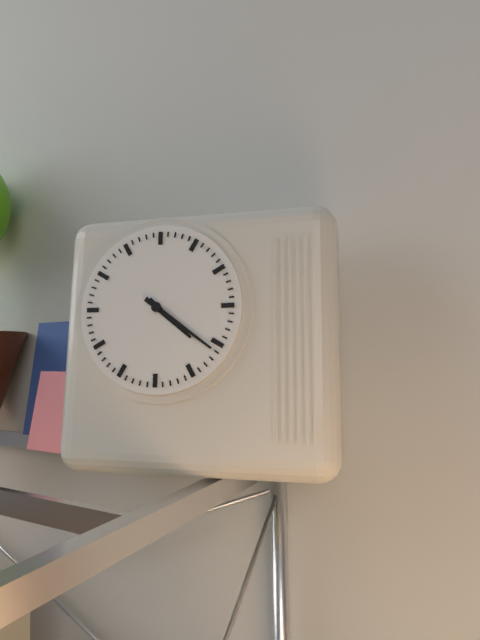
4:21
